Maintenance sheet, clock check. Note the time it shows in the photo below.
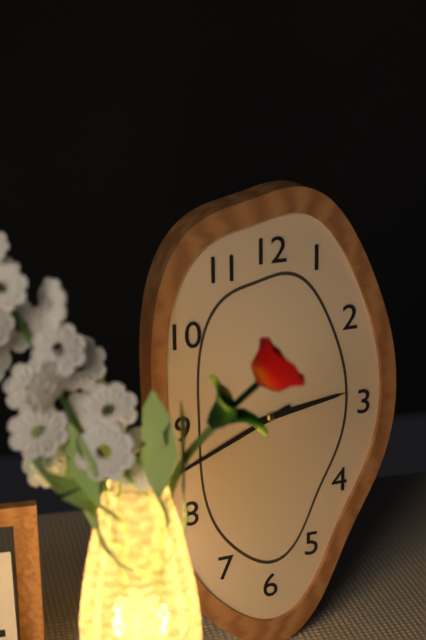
2:41
